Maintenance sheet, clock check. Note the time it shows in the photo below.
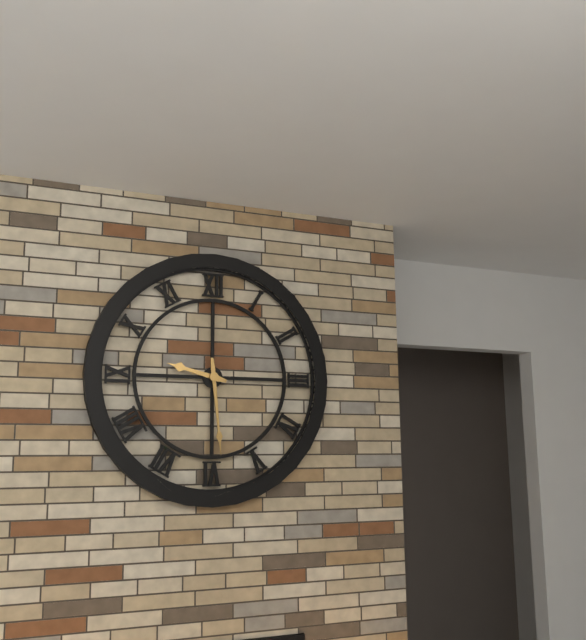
9:29
